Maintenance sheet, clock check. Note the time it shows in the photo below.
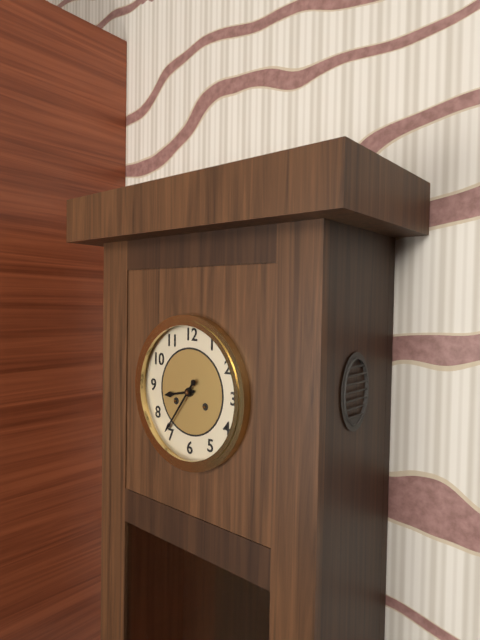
8:36
